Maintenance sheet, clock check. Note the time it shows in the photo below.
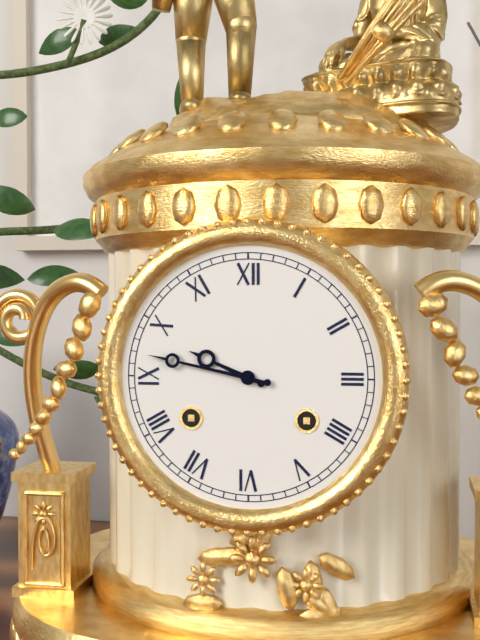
9:47
